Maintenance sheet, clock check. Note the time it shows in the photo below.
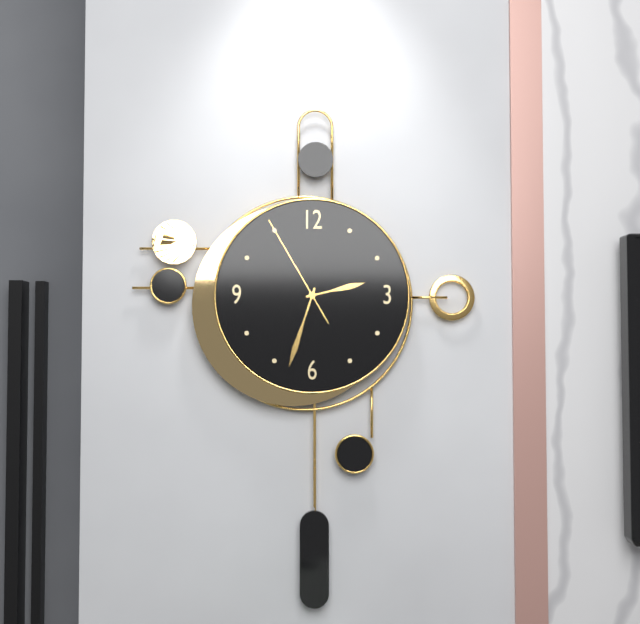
2:33:55
